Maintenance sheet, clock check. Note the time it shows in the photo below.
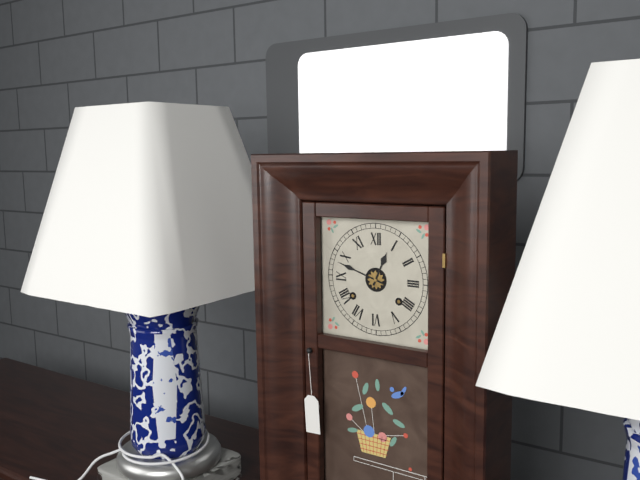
12:48
